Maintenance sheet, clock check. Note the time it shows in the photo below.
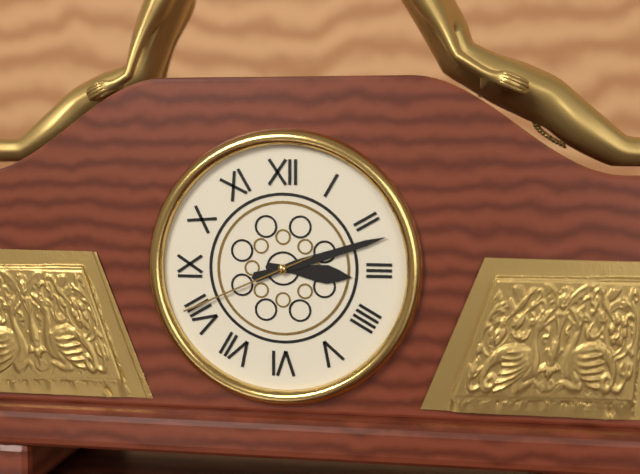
3:12:41
